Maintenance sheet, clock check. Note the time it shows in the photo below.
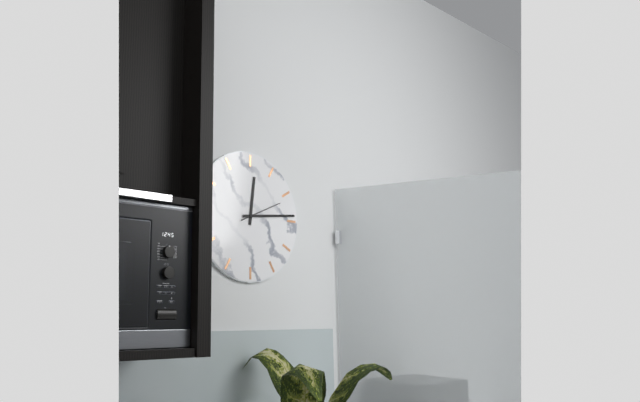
12:14
